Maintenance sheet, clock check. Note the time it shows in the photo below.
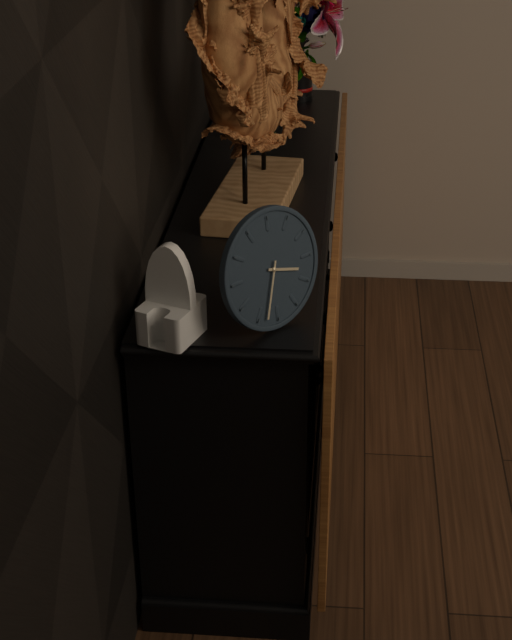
3:33
